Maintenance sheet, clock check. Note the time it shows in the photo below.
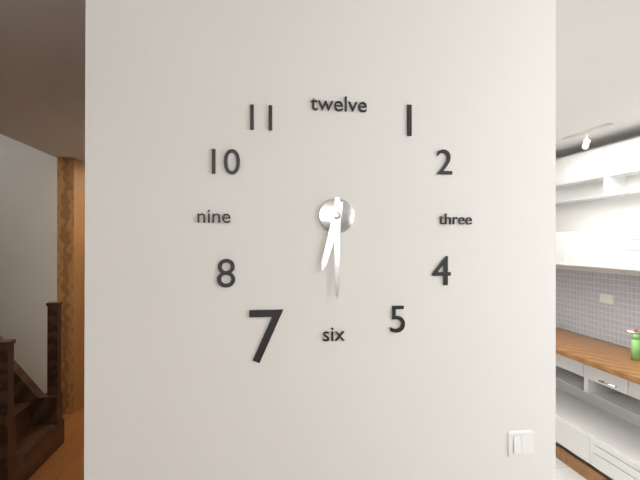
6:30
